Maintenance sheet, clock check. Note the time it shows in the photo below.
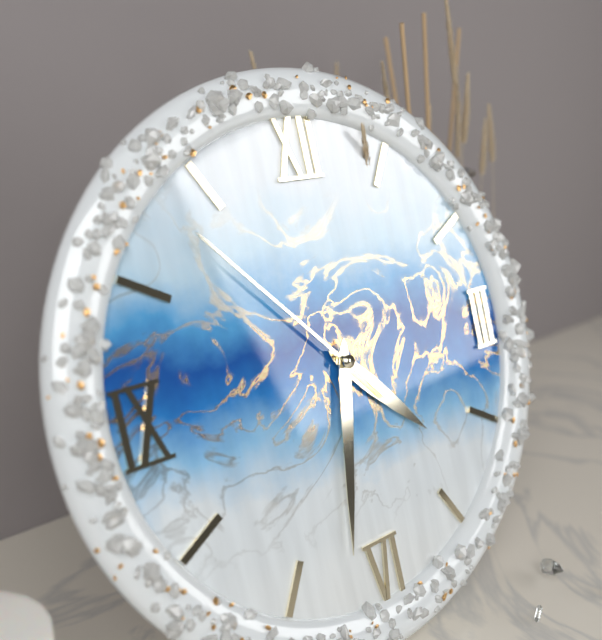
4:32:53
